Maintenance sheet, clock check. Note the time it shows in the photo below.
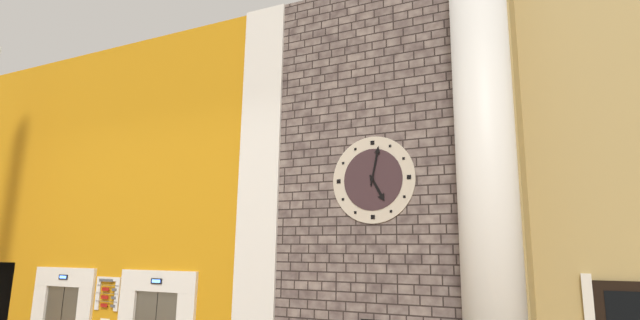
5:02
